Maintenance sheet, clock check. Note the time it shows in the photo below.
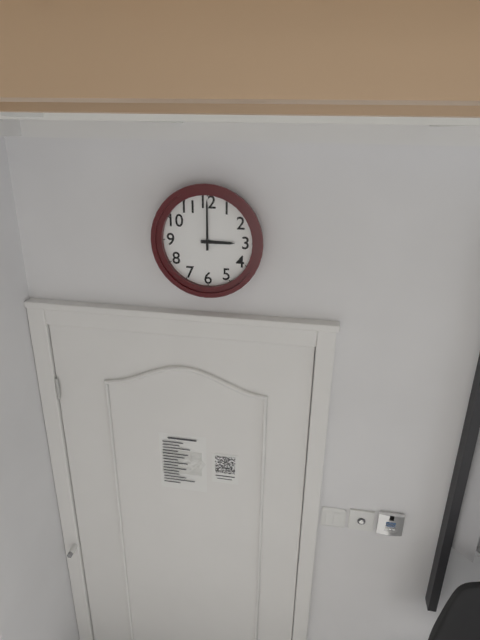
3:00
